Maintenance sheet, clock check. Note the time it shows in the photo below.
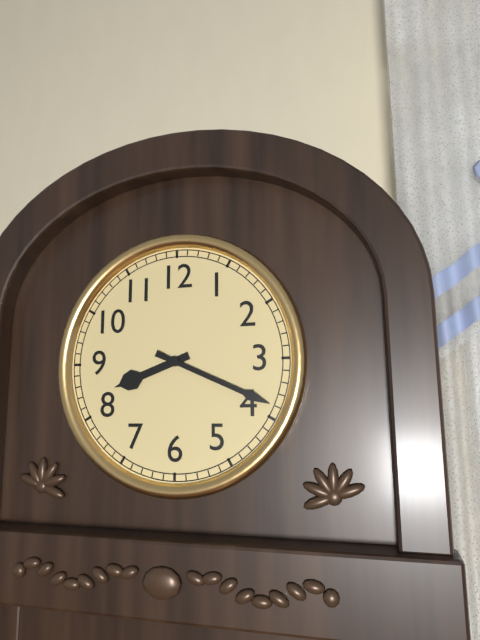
8:19
